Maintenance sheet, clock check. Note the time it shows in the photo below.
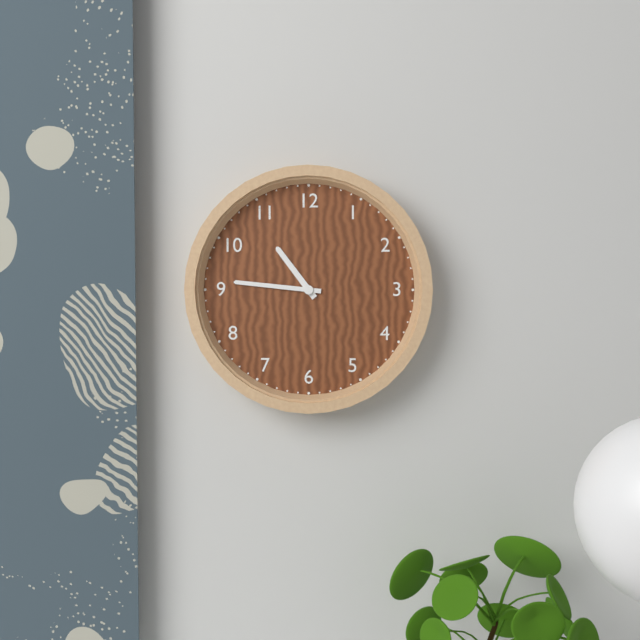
10:46
